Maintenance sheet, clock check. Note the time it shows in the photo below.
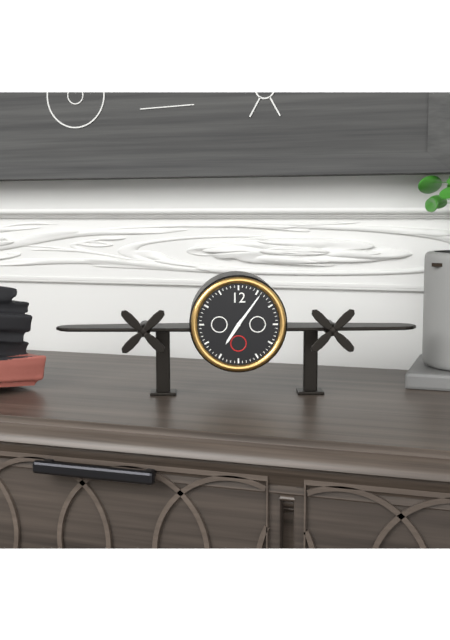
7:06
